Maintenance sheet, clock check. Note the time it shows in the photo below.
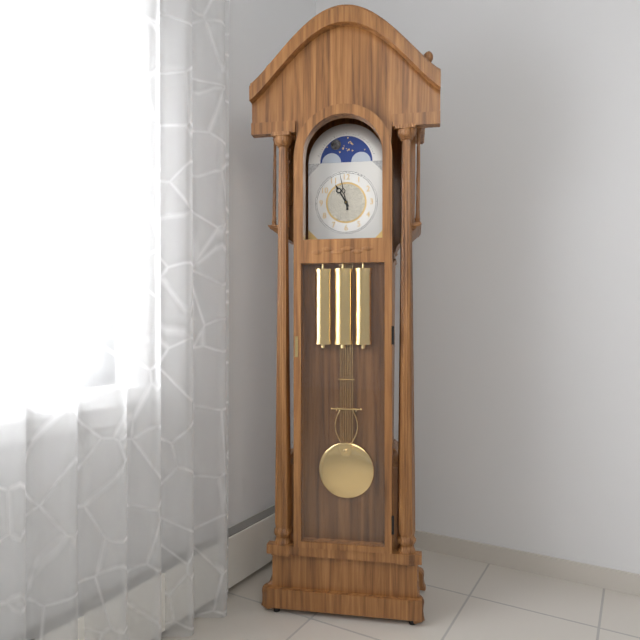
10:58
